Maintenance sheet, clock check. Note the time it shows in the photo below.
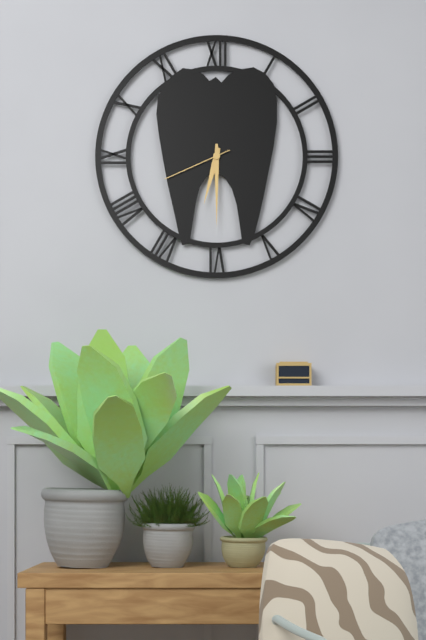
6:30:41
